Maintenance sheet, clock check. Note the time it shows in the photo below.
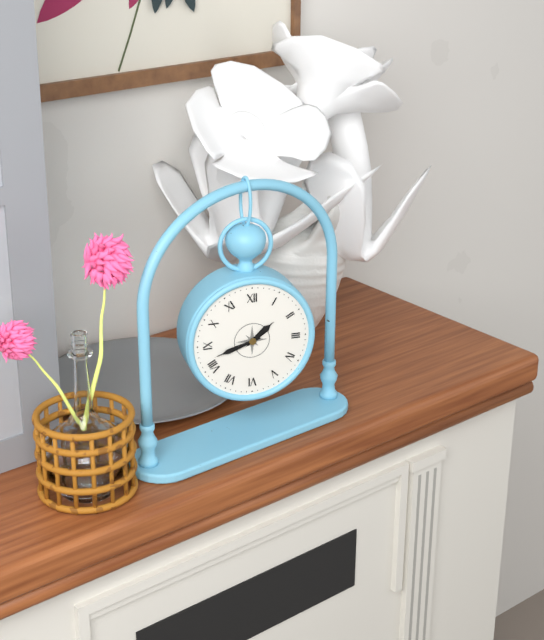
1:42
